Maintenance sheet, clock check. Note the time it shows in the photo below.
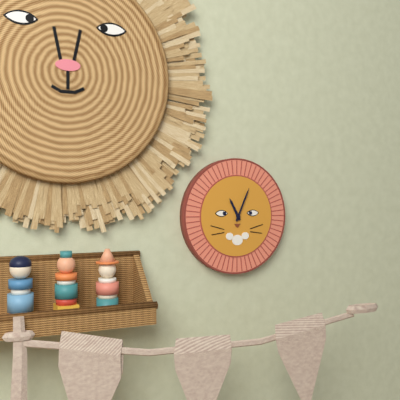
11:04
